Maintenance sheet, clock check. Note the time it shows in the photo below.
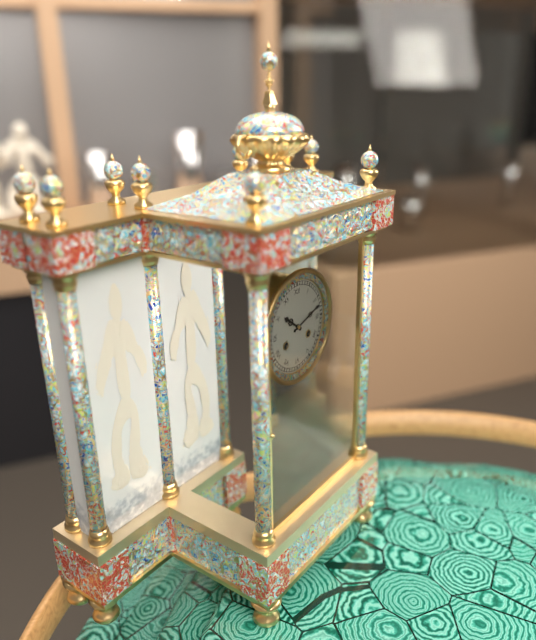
10:12
